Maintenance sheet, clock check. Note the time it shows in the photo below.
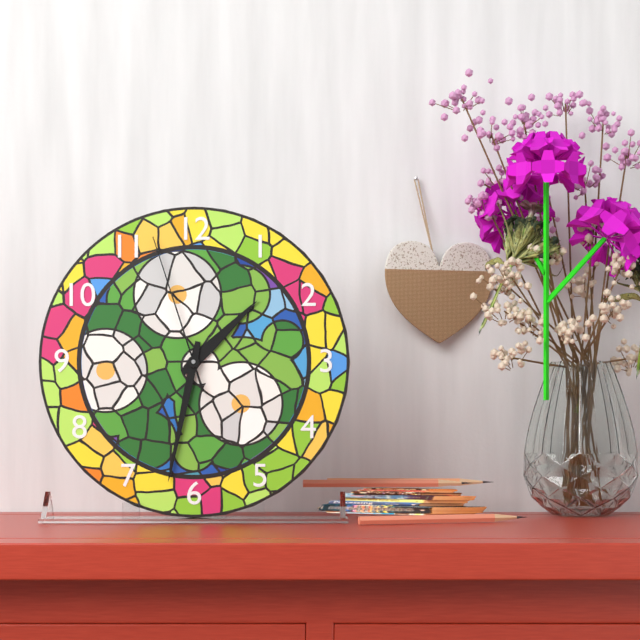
1:32:57
